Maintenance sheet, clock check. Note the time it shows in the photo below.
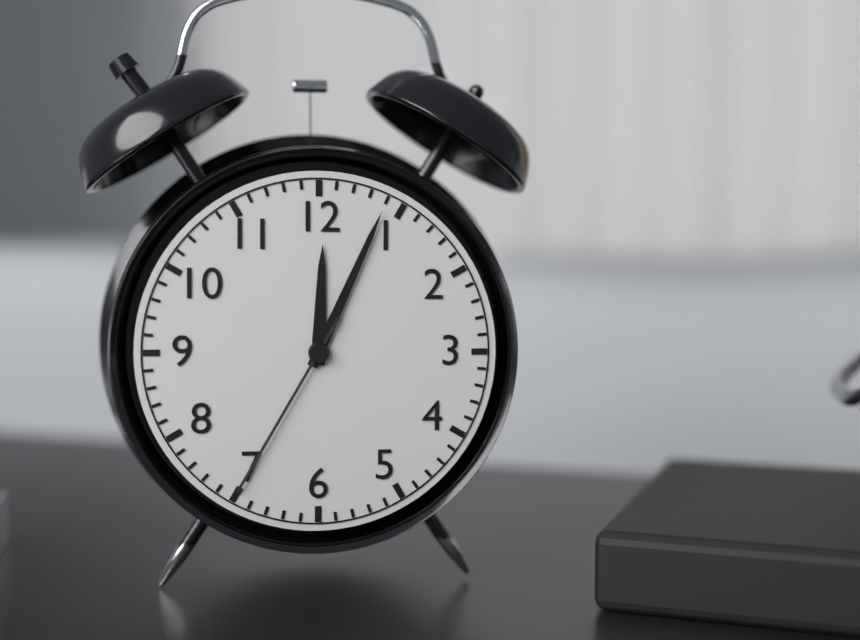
12:04:35
